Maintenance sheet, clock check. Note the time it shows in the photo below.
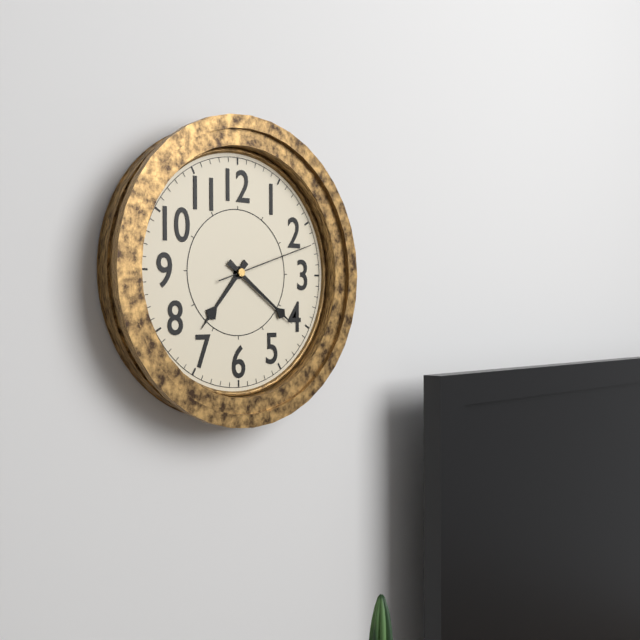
7:21:12
